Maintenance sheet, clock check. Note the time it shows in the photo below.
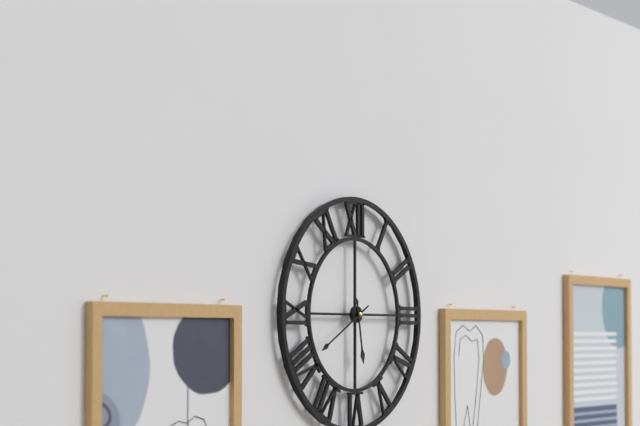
5:40
